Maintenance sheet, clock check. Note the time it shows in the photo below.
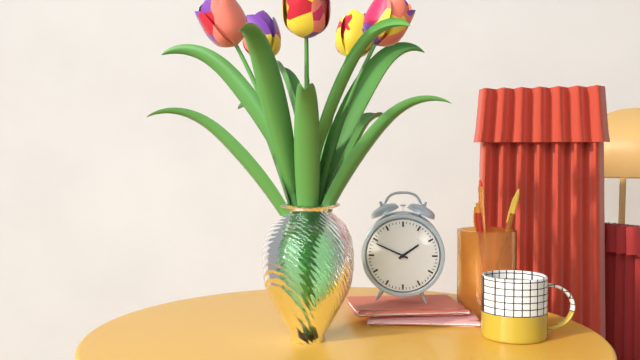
1:49
